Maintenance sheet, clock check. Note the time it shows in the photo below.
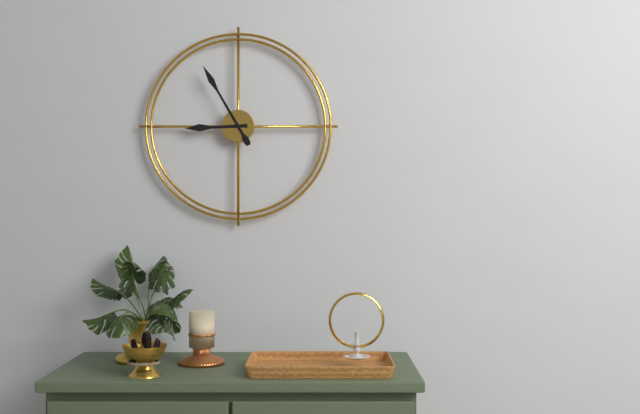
8:55
